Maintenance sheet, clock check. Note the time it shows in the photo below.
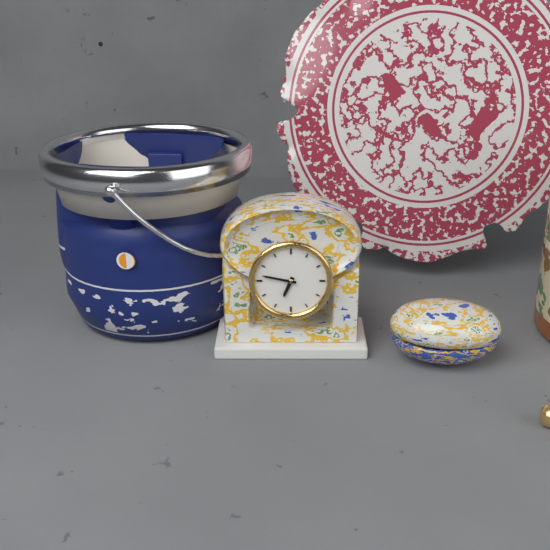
6:47
